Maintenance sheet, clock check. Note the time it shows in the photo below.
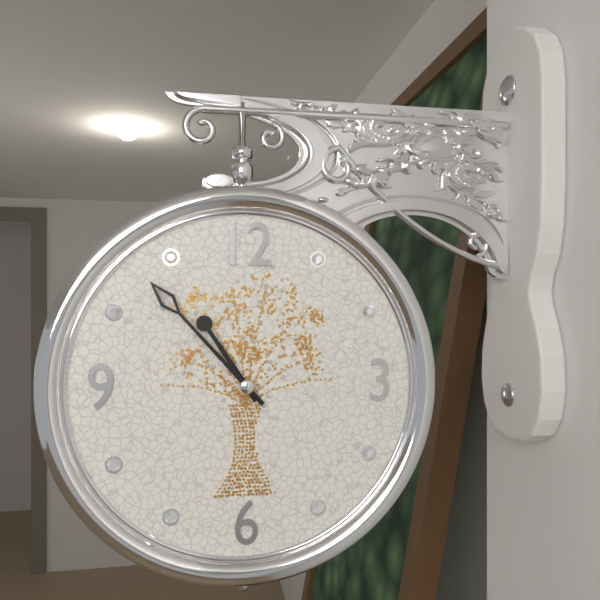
10:53
